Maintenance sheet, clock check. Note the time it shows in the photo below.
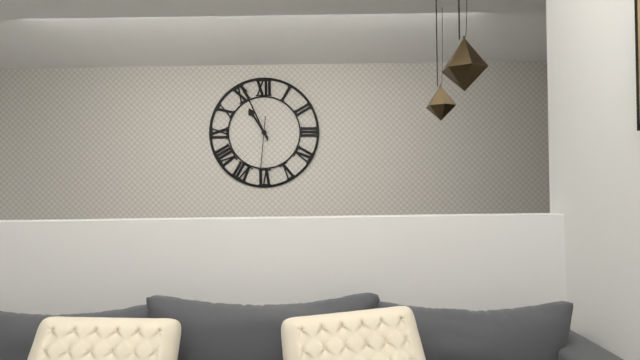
10:56:31
